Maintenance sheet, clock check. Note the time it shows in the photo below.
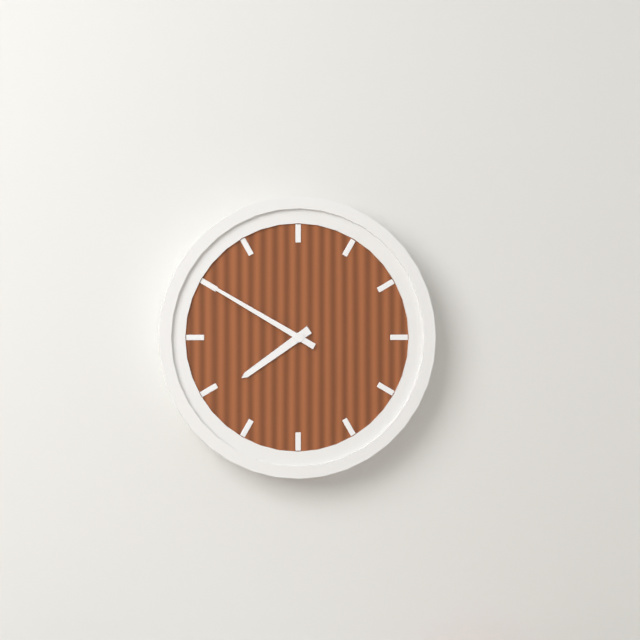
7:50
